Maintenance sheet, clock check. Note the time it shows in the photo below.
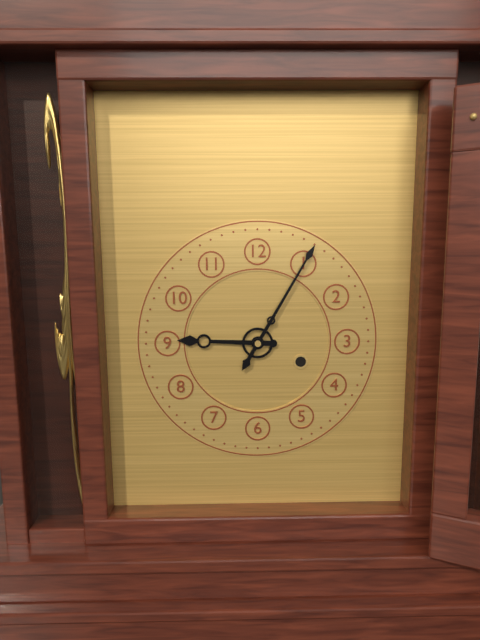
9:05
